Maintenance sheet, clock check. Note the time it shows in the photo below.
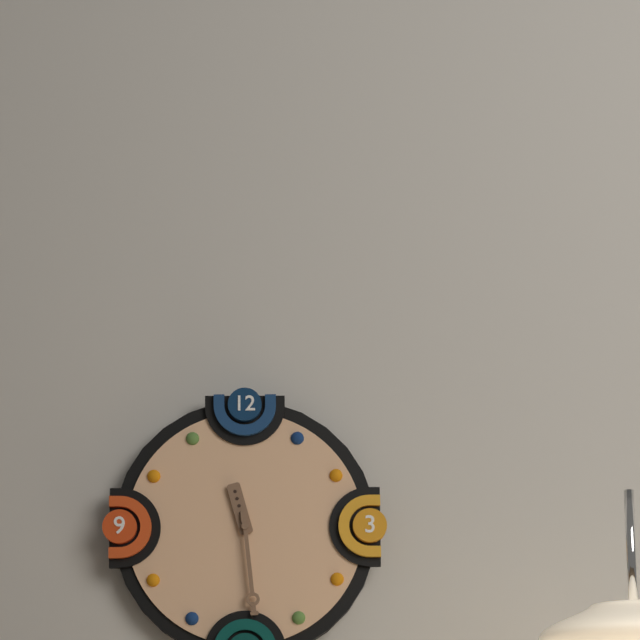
11:29
